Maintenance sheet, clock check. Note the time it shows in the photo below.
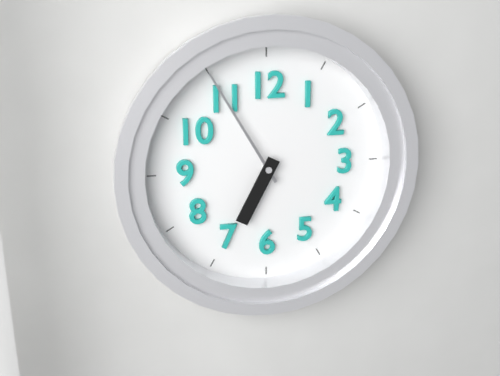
6:55
